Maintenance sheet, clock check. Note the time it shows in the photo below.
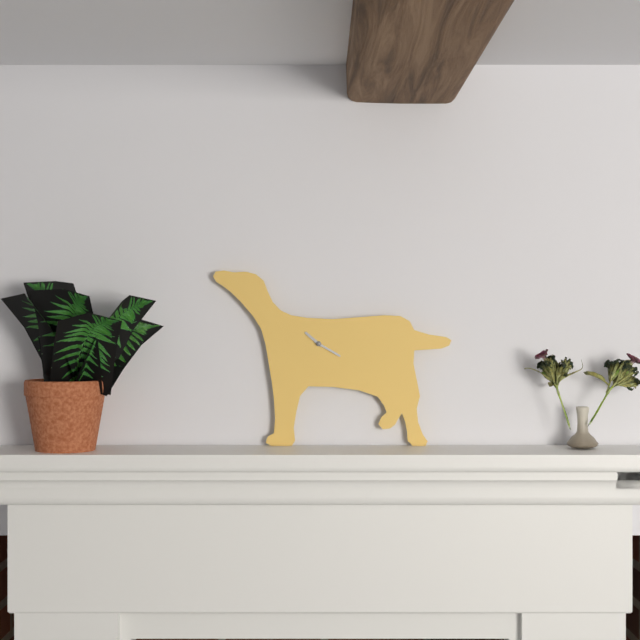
10:20
